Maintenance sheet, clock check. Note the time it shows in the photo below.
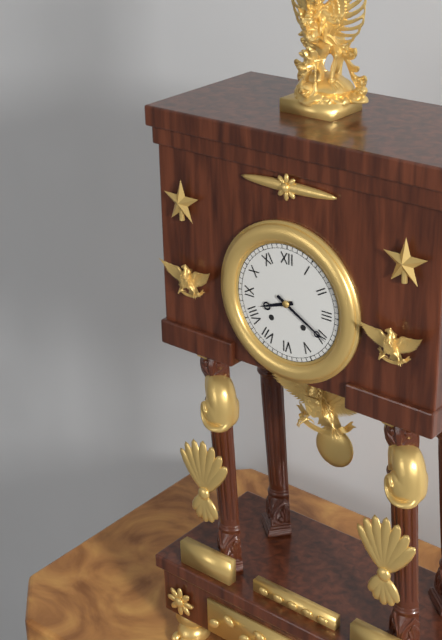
8:20
